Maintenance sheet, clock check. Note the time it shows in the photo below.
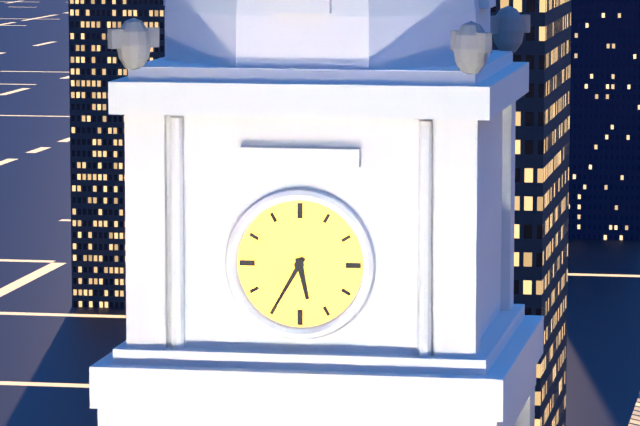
5:35
